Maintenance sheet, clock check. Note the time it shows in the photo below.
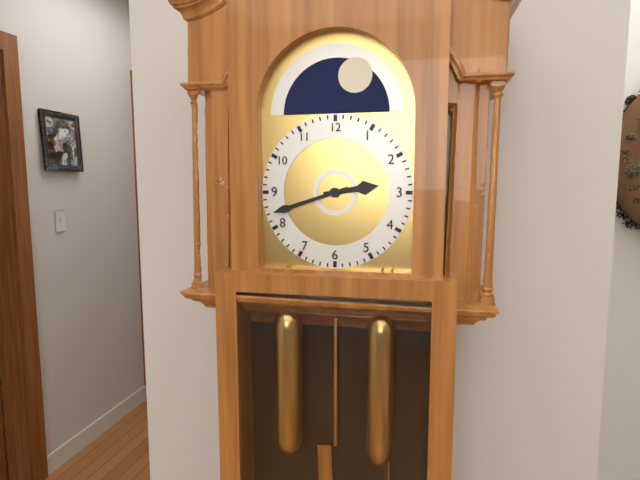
2:42
